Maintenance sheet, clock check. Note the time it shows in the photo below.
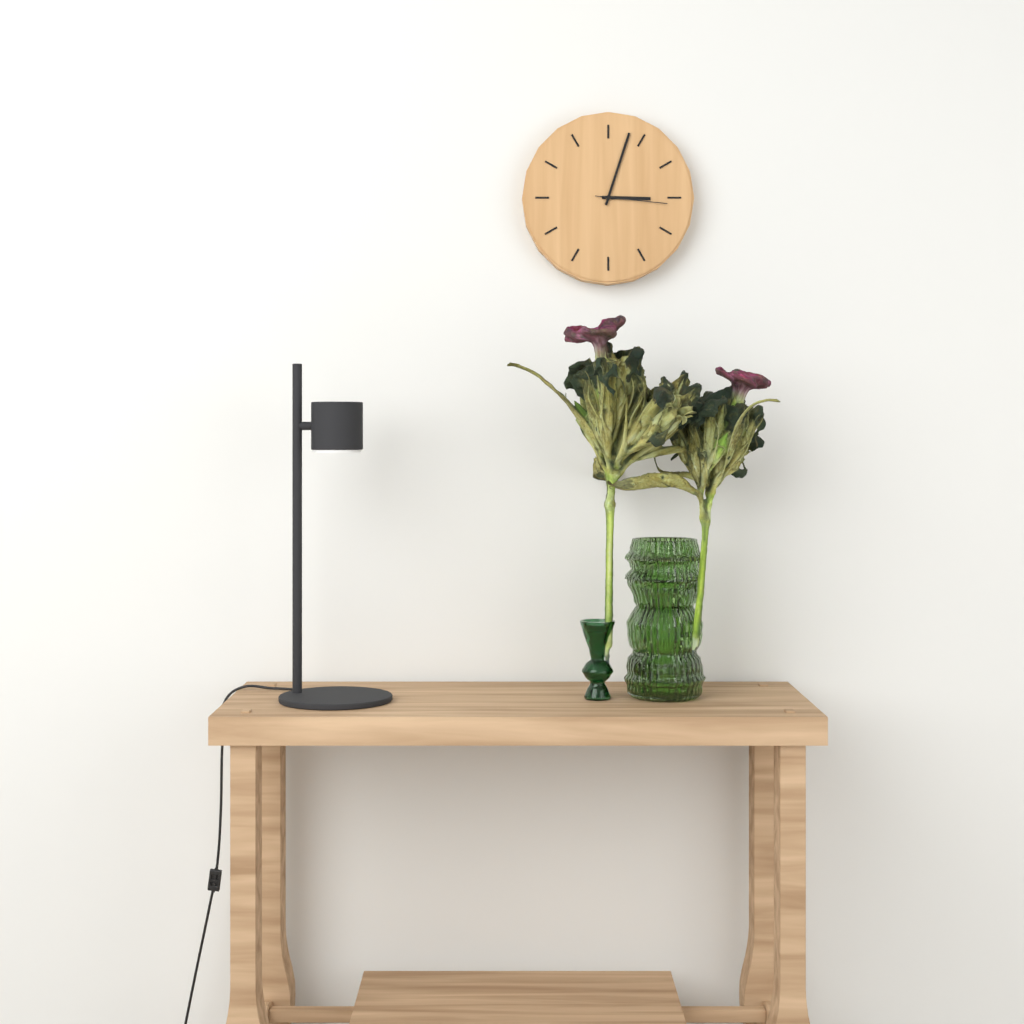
3:03:16
